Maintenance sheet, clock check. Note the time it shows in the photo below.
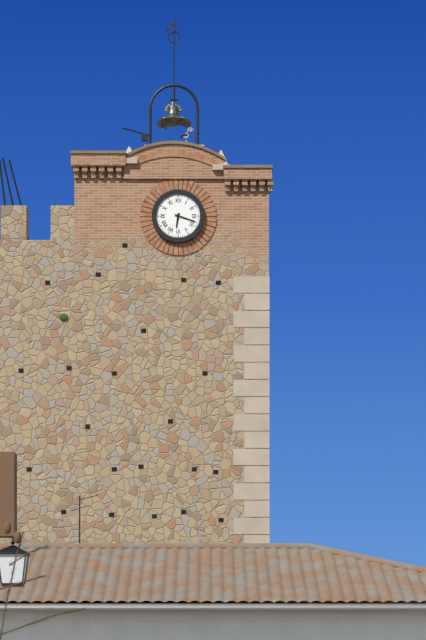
6:18
